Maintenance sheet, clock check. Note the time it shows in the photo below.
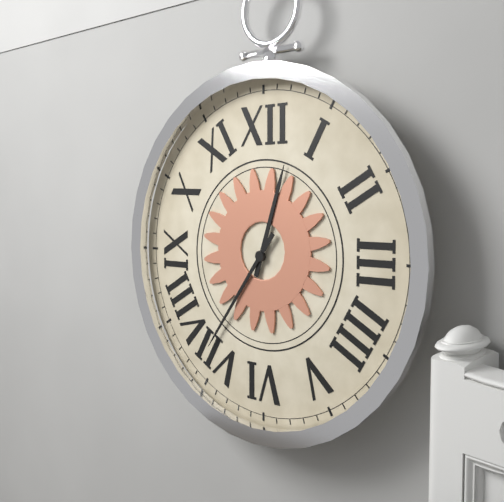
12:36
